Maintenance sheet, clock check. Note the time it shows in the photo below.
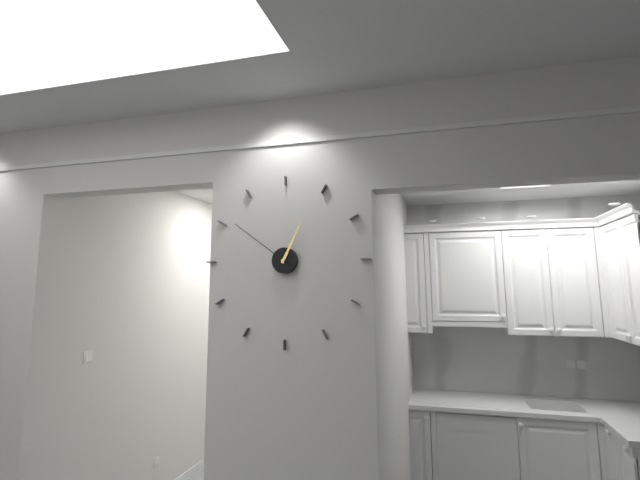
12:51
